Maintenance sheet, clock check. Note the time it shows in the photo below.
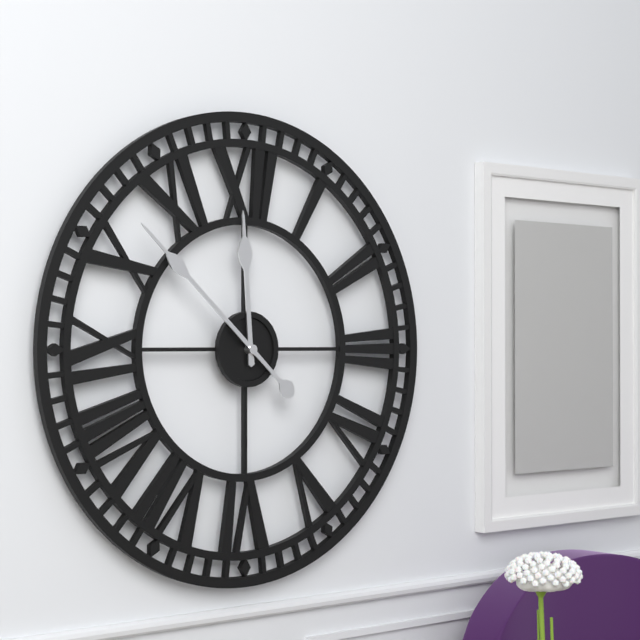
11:52
